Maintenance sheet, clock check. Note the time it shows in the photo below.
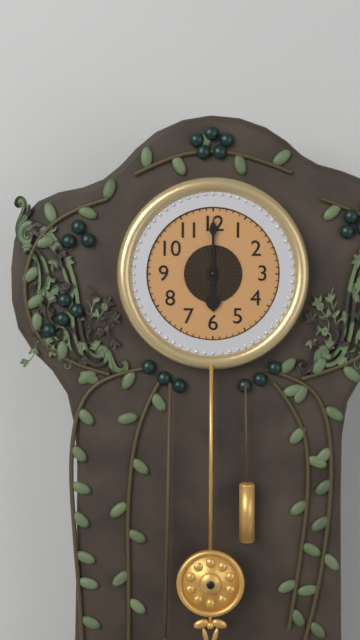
6:00
